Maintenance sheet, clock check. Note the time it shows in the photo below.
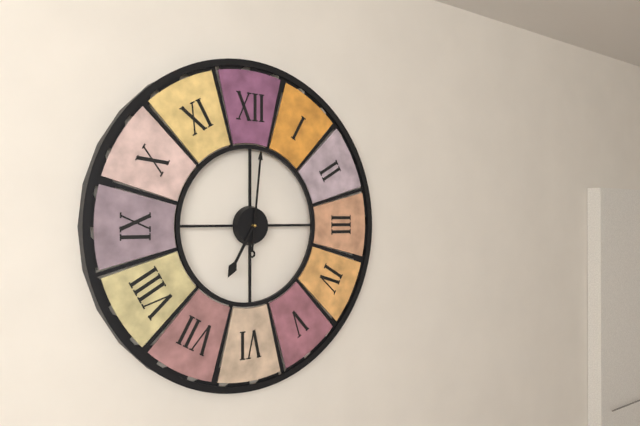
7:01
